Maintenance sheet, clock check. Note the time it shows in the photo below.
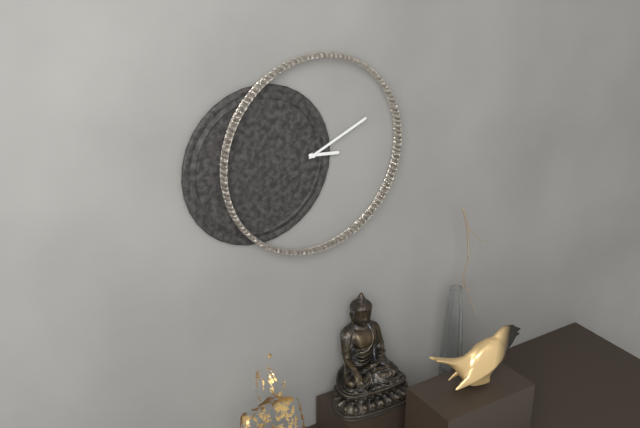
3:11
